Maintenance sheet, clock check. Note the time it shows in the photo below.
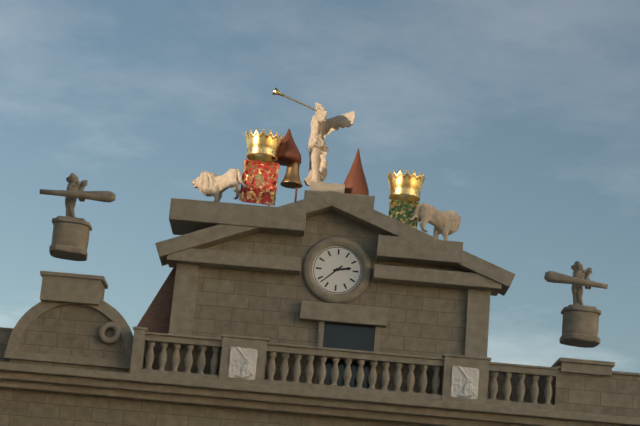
2:38
